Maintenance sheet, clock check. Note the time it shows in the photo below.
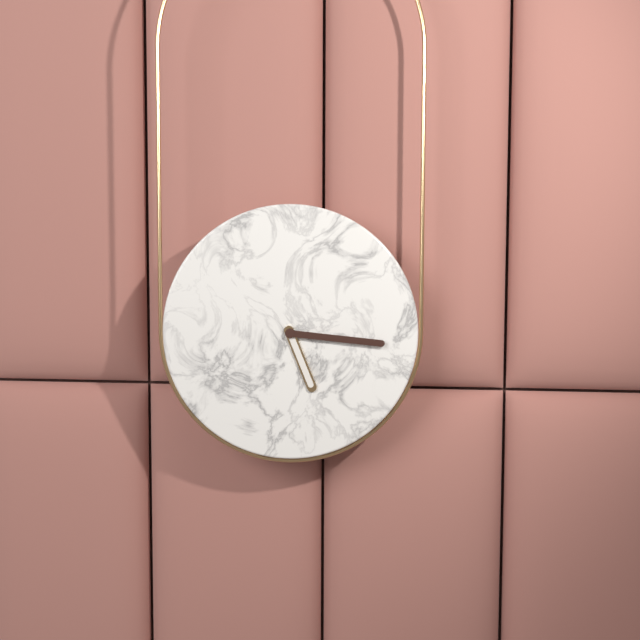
5:16
